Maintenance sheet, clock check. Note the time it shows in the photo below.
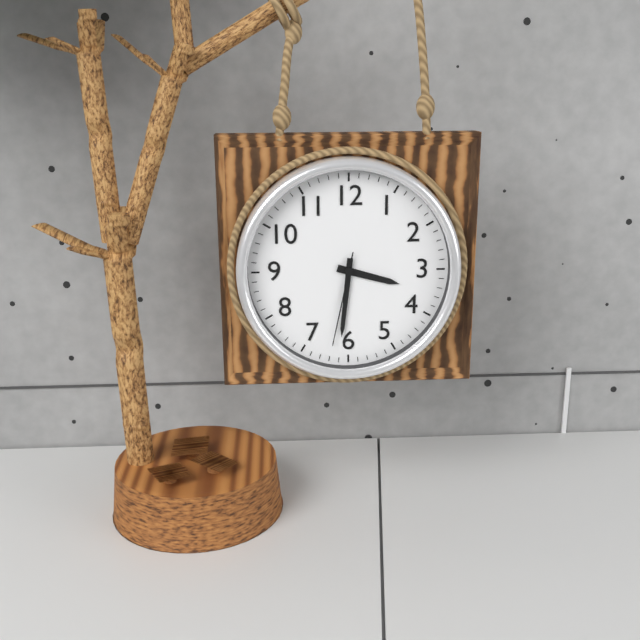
3:31:32
